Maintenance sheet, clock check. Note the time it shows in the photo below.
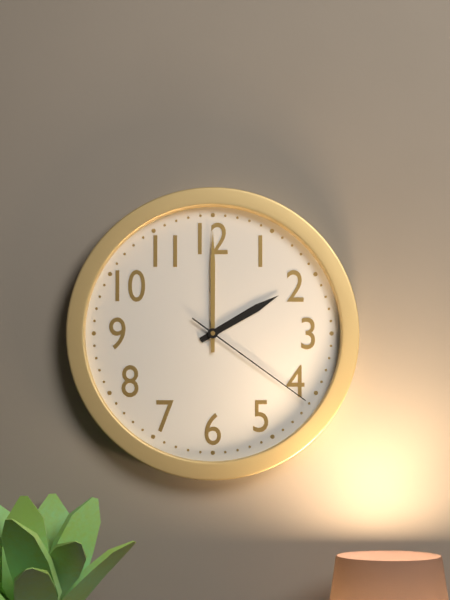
2:00:21
